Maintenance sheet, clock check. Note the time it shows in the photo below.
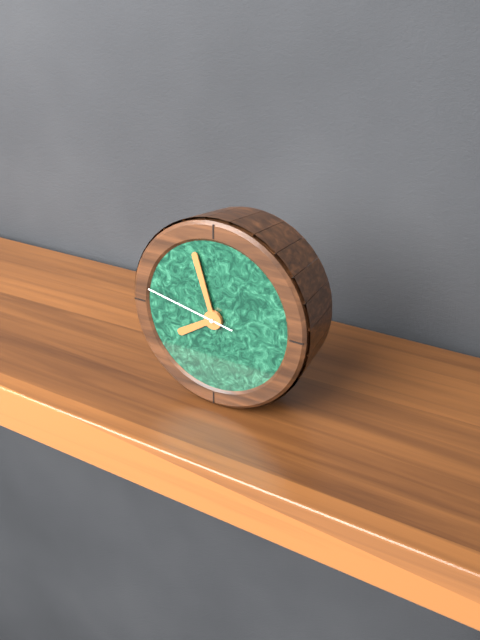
7:57:47
